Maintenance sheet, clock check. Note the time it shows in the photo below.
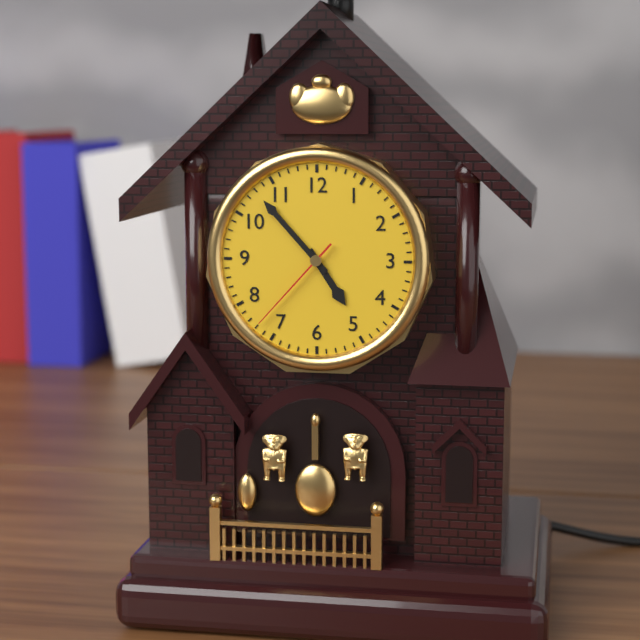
4:53:37
